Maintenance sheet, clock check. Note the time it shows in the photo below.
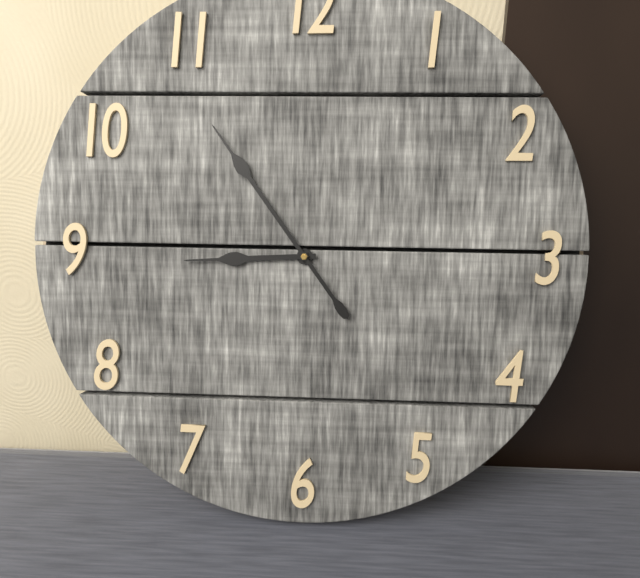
8:54
